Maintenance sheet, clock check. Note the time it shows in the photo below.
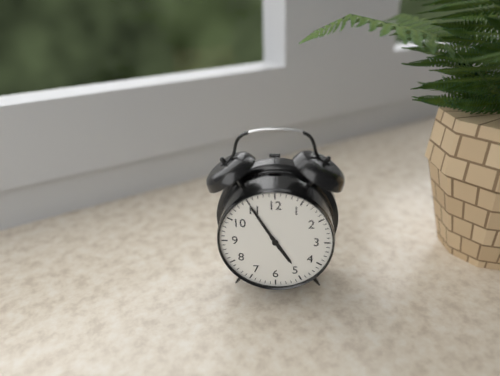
4:55
